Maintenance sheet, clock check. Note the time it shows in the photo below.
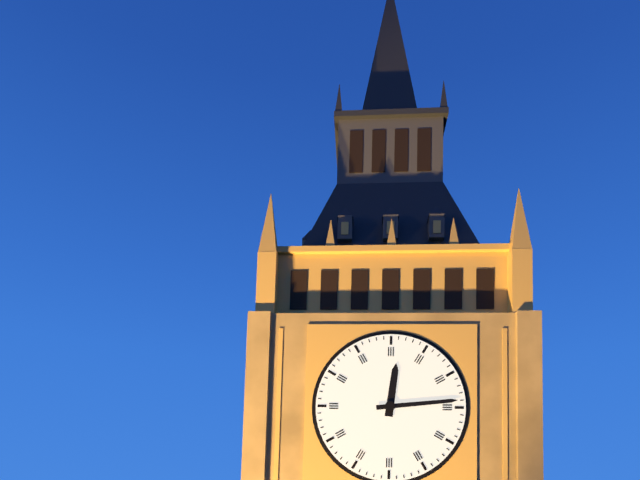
12:14
